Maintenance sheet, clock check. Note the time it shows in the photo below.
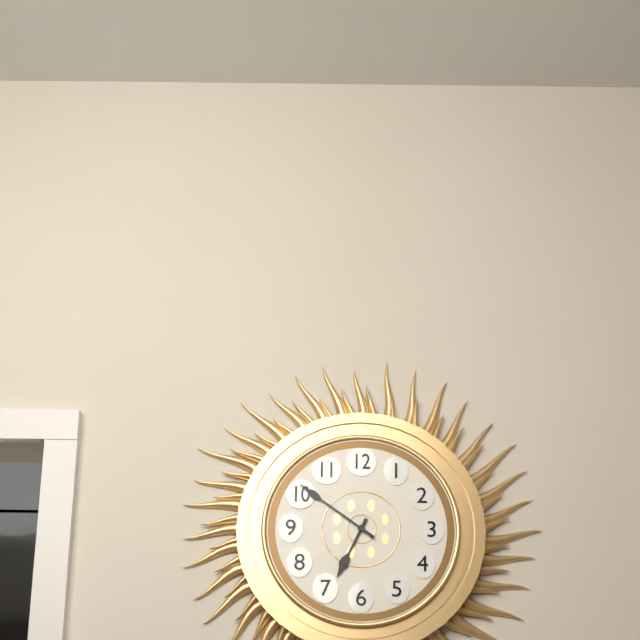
6:51
